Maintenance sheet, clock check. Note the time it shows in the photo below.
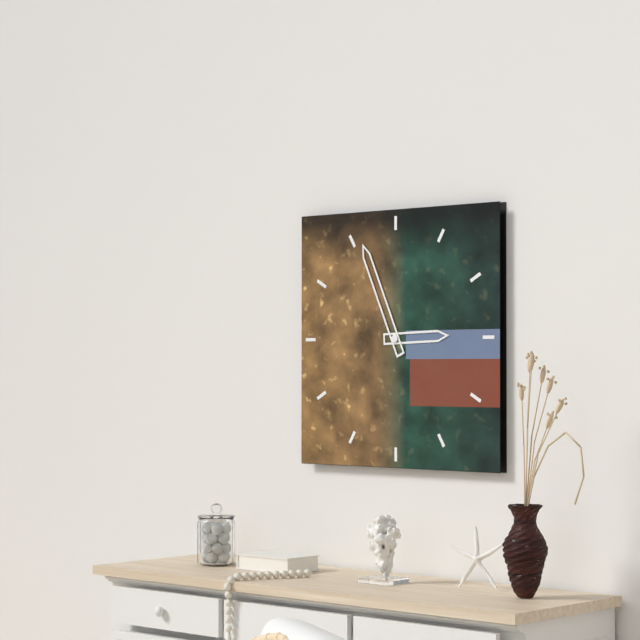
2:56
